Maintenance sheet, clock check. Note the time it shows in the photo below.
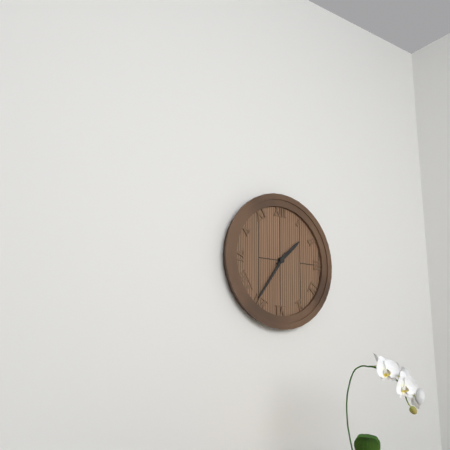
1:36
